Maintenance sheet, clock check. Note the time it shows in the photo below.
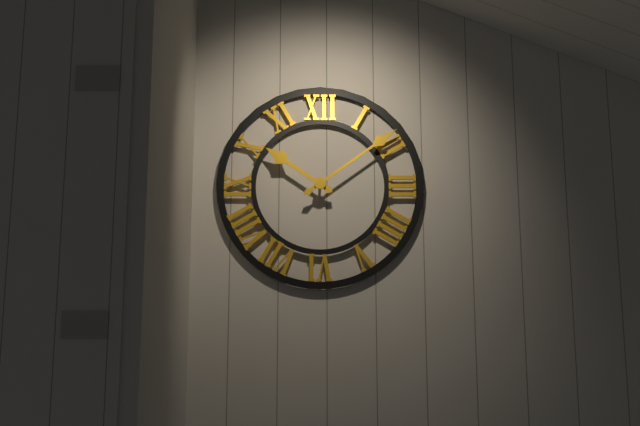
10:09
